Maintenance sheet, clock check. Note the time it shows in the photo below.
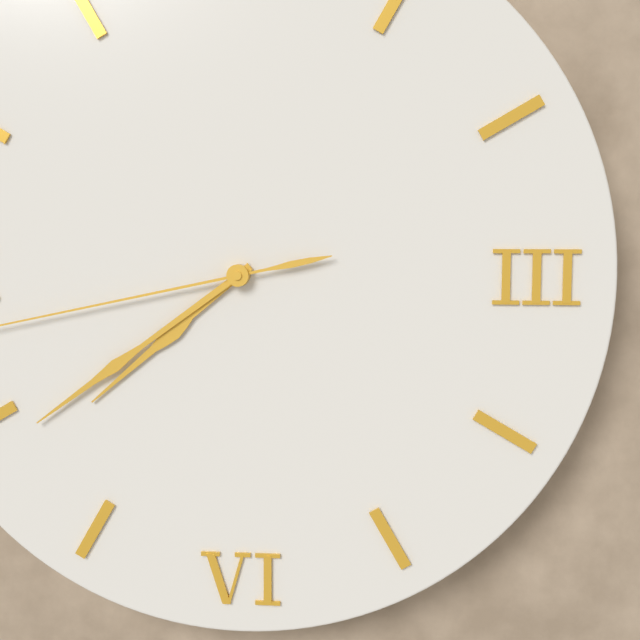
7:39
